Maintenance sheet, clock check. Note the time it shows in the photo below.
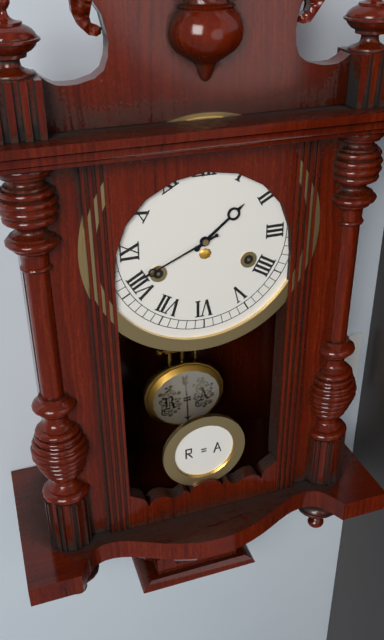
1:41
